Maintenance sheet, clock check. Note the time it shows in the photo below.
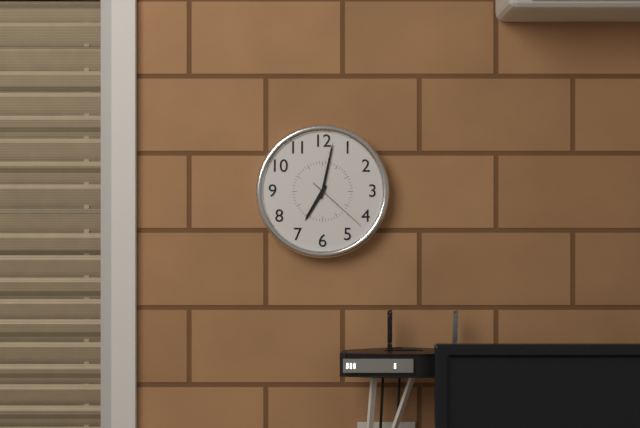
7:02:22
